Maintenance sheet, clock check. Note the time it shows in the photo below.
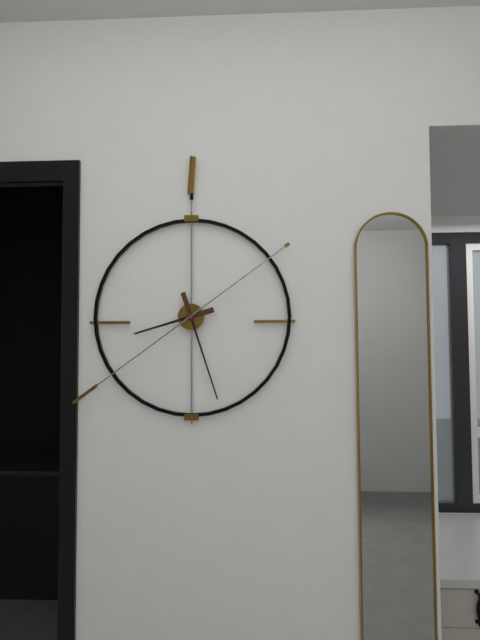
8:27:39
